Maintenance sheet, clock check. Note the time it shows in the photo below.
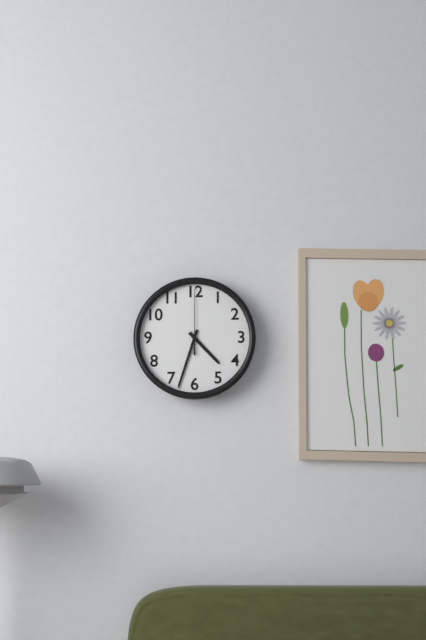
4:33:00
